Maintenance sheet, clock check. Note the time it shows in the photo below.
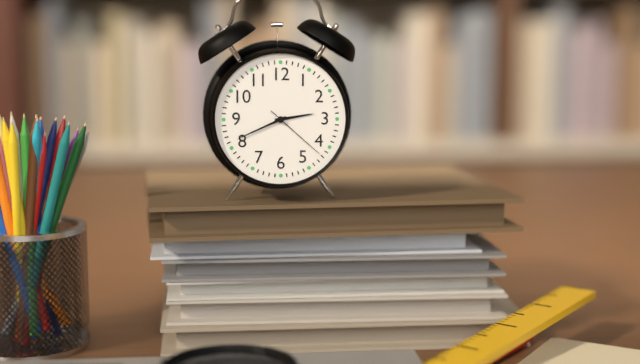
2:41:22
